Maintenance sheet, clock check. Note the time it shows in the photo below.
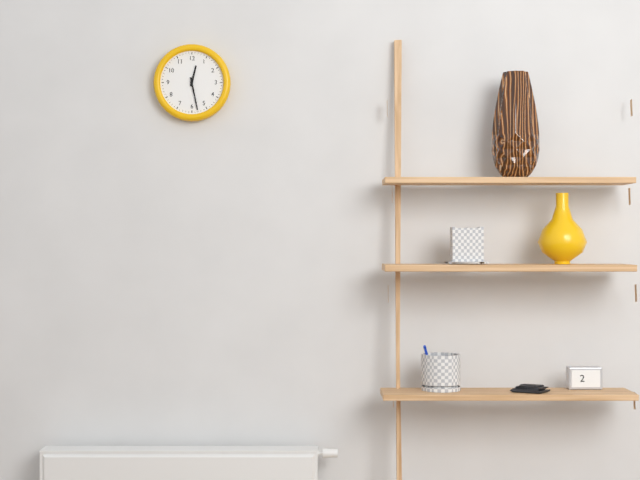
12:28
